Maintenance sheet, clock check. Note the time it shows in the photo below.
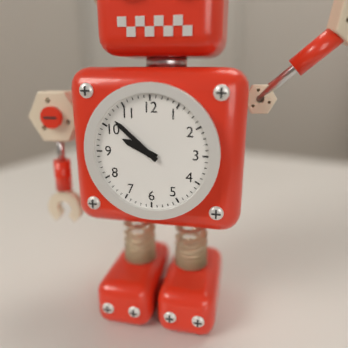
9:52
